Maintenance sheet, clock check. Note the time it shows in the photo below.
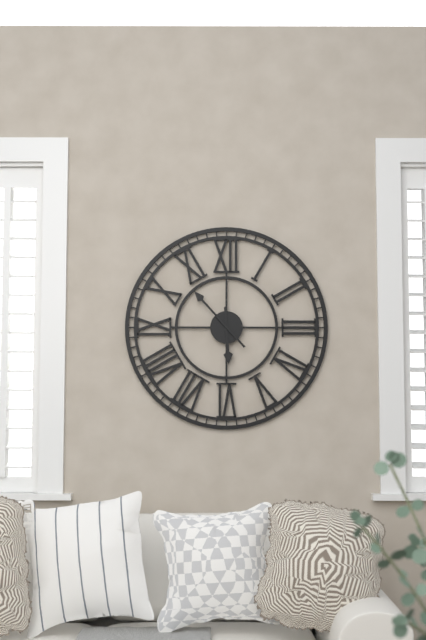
5:53
